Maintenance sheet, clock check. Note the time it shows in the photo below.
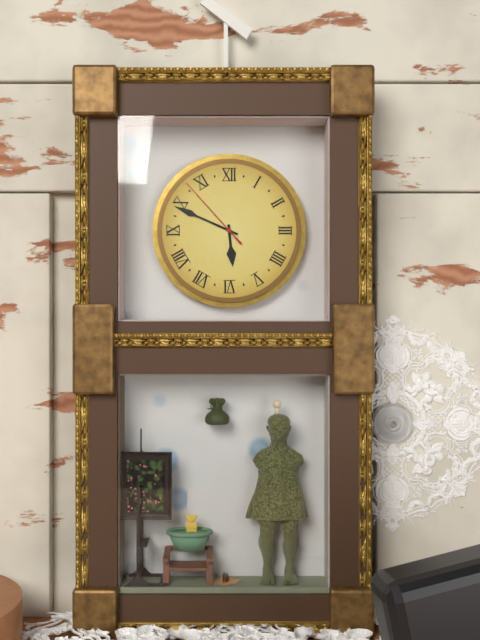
5:49:53
